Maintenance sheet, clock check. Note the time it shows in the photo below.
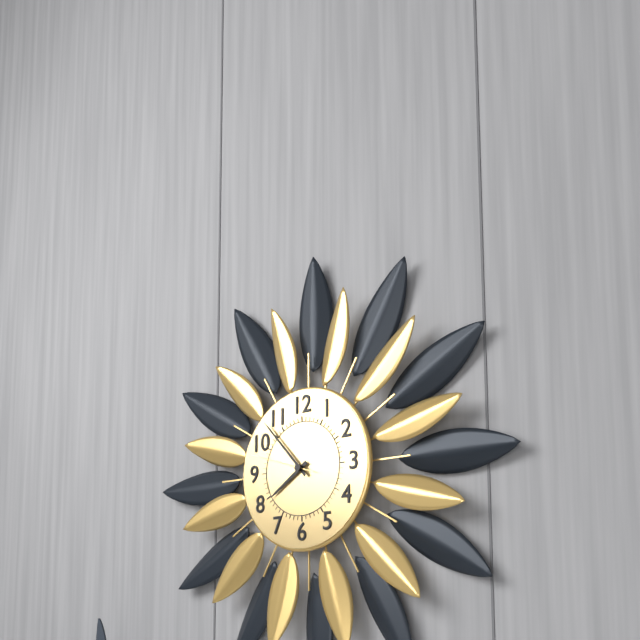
7:53:48
